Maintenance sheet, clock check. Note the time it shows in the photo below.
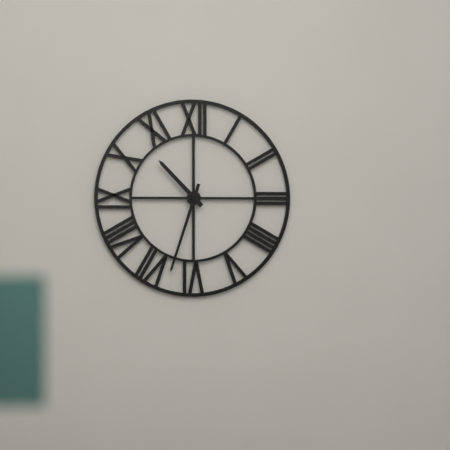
10:33
